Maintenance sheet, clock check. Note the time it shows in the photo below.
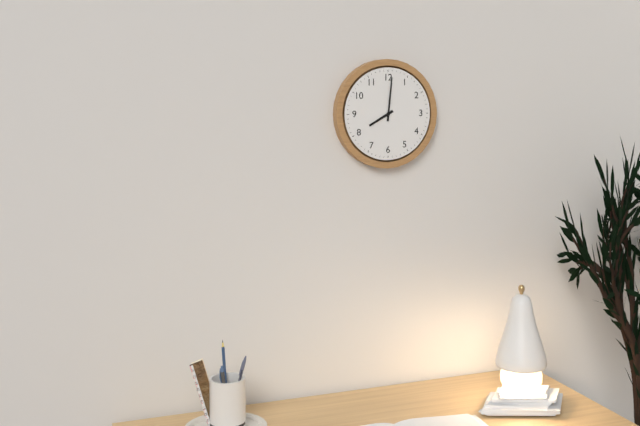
8:01
